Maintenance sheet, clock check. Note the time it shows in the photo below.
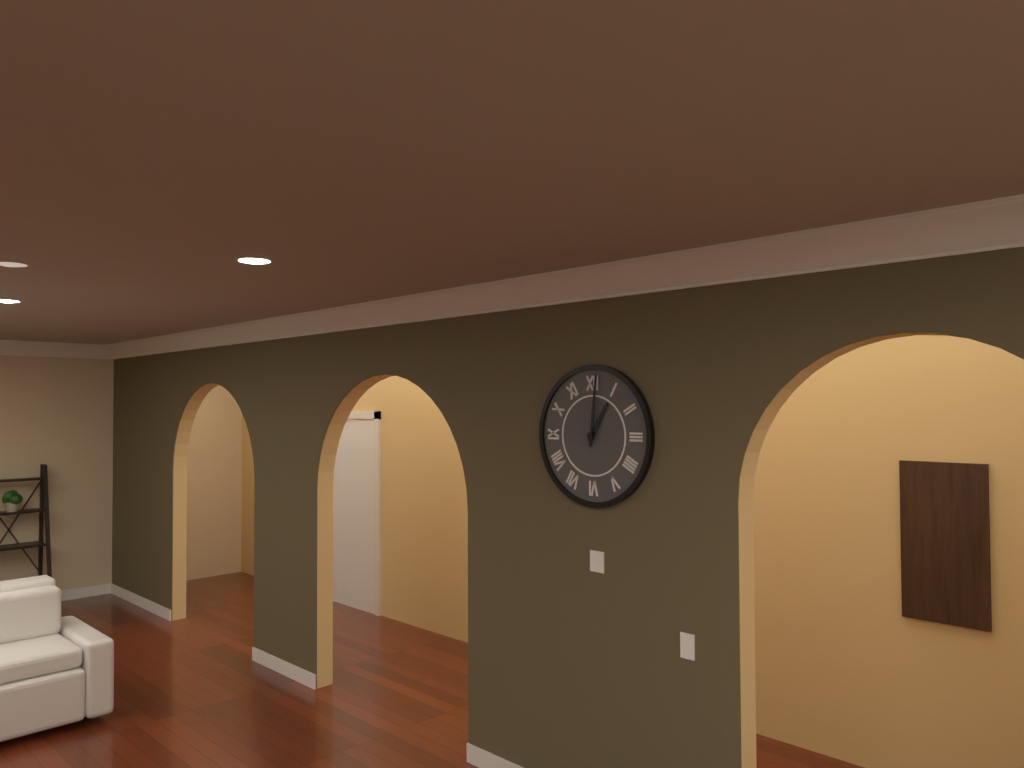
1:01
